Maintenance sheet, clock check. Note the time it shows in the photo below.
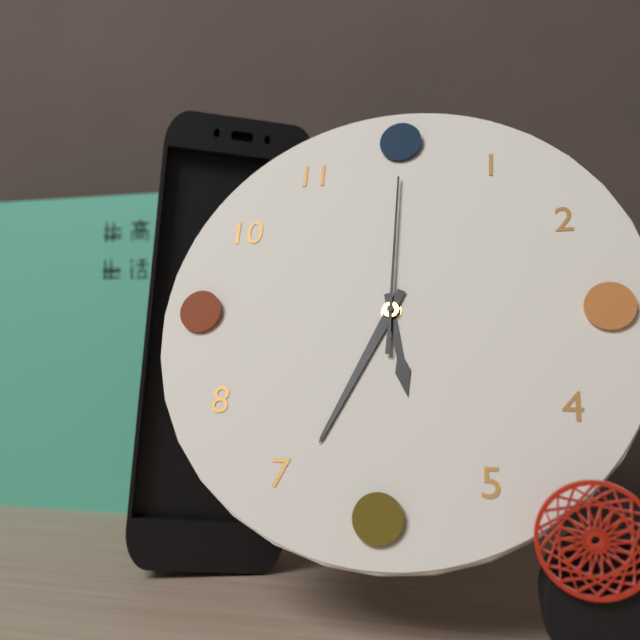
5:34:00
